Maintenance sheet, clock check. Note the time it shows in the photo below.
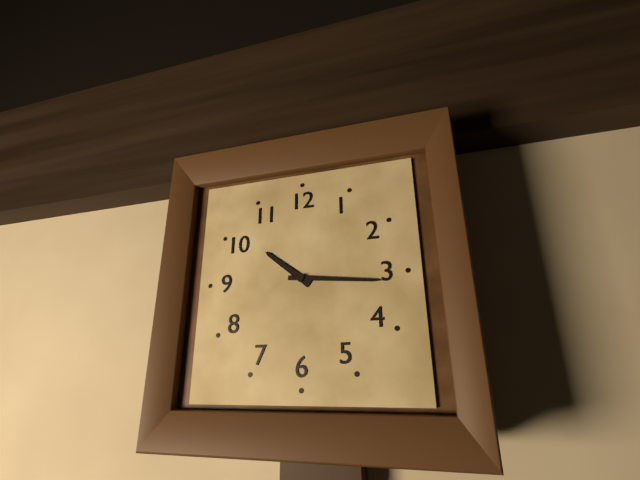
10:16
